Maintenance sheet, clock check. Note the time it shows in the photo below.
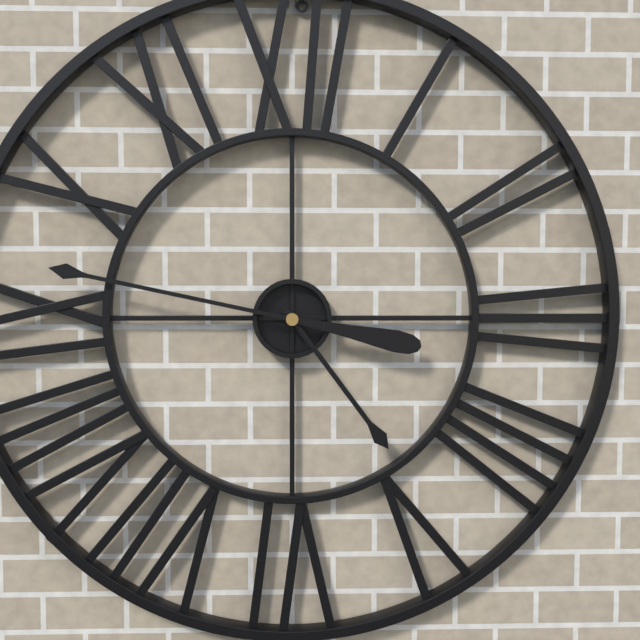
4:47
